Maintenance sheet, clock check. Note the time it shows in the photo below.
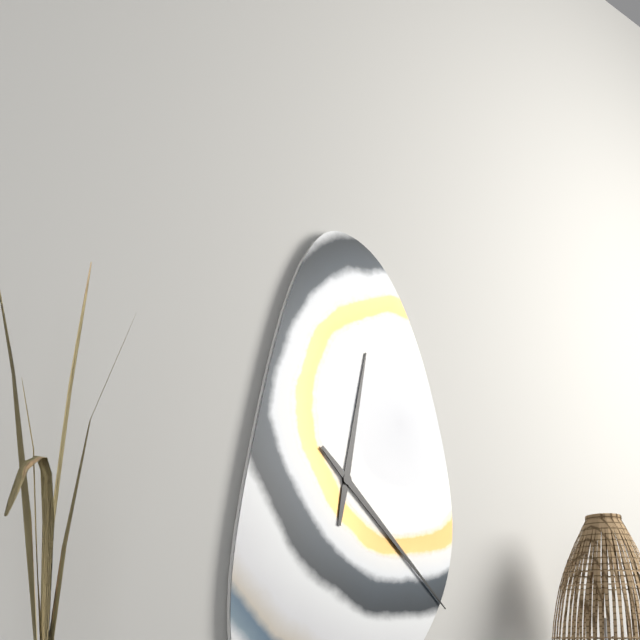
12:22
